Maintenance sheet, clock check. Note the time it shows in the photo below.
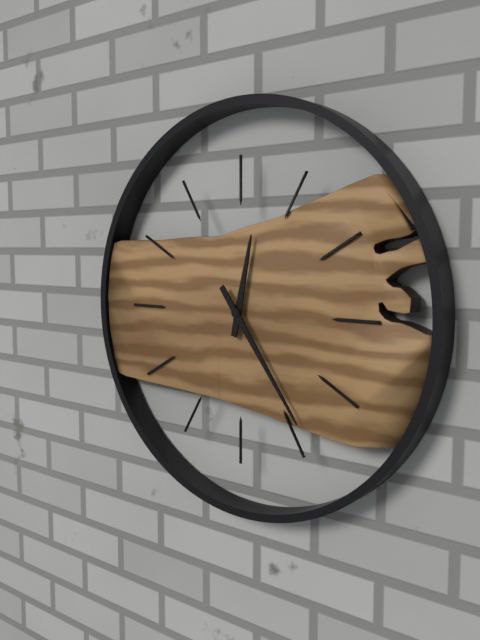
12:24
